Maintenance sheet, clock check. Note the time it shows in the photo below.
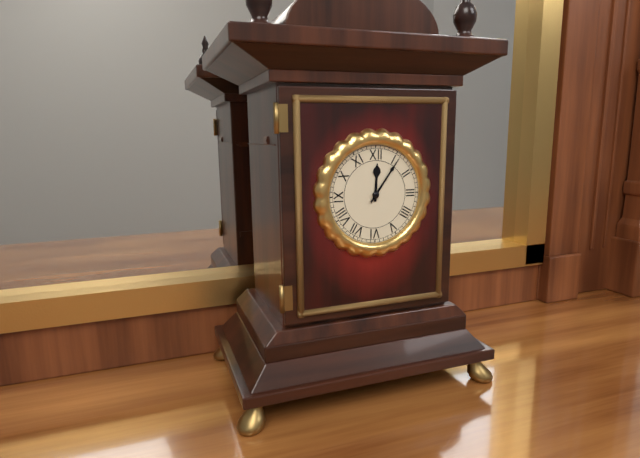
12:06
